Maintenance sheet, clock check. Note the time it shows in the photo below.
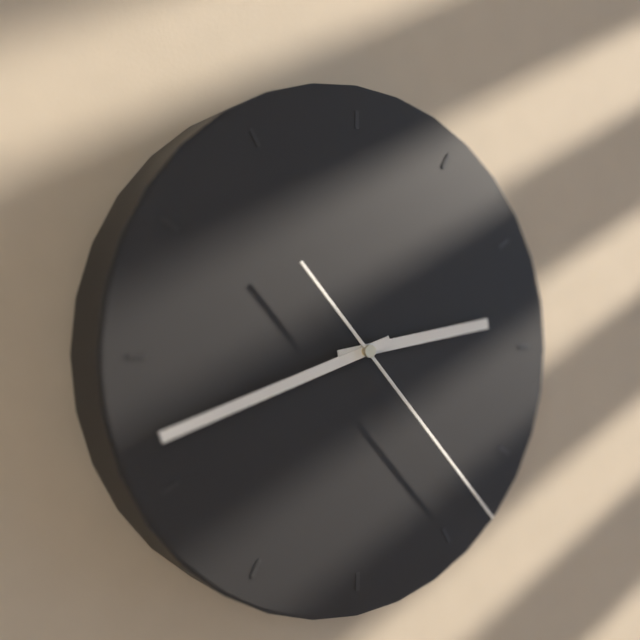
2:42:23
